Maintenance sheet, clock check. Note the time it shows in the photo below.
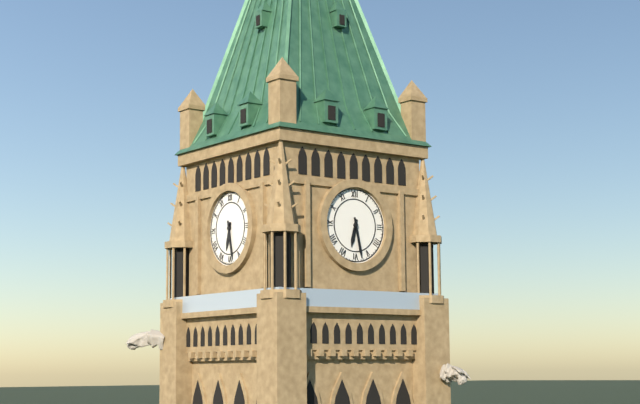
6:28
